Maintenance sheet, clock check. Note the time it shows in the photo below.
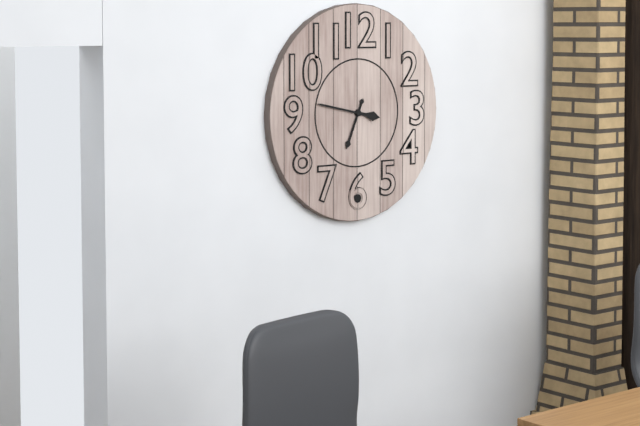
6:47
